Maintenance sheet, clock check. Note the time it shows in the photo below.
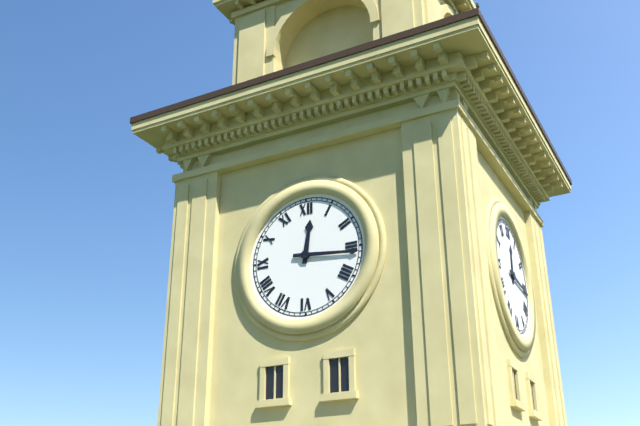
12:16
